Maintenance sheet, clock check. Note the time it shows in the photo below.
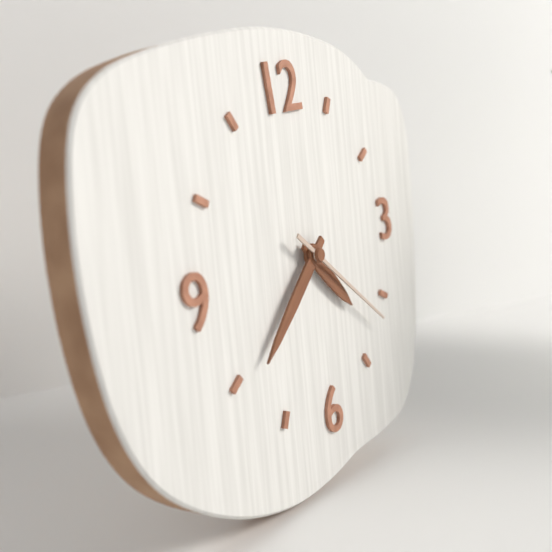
4:39:22
